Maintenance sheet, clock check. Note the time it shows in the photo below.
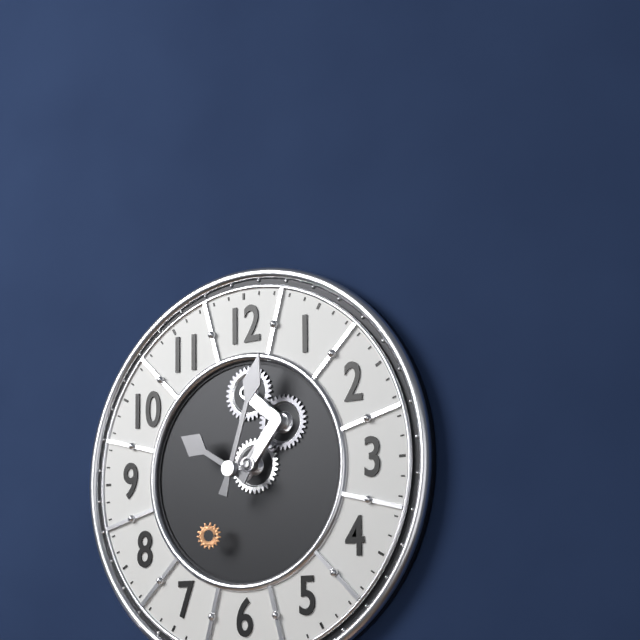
10:03
